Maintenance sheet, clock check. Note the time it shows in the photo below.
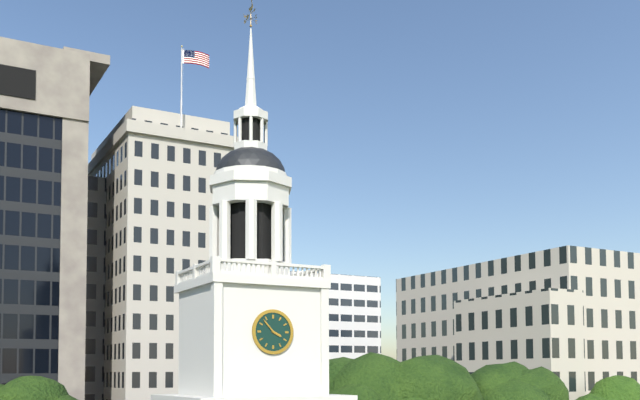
3:53
